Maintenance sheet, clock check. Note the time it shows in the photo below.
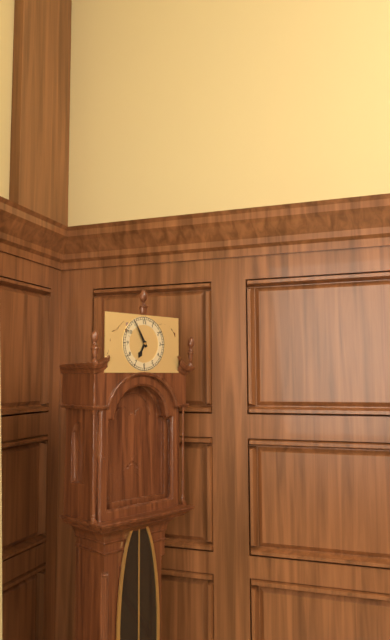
6:55
